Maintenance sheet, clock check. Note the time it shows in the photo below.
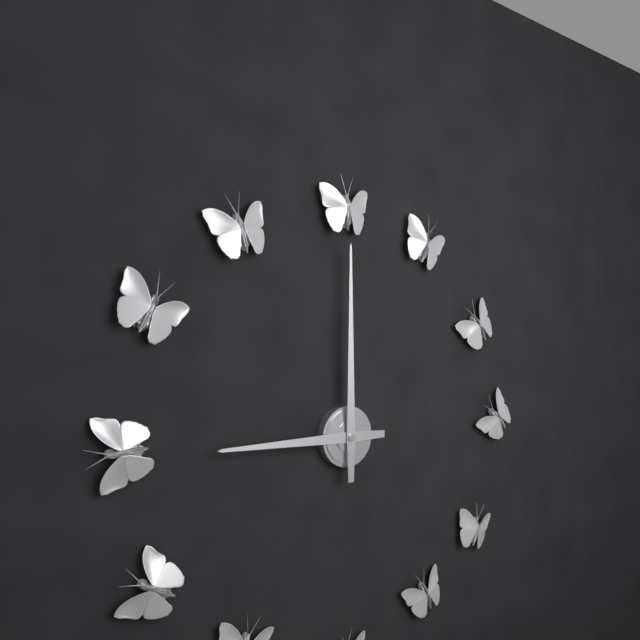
9:00
